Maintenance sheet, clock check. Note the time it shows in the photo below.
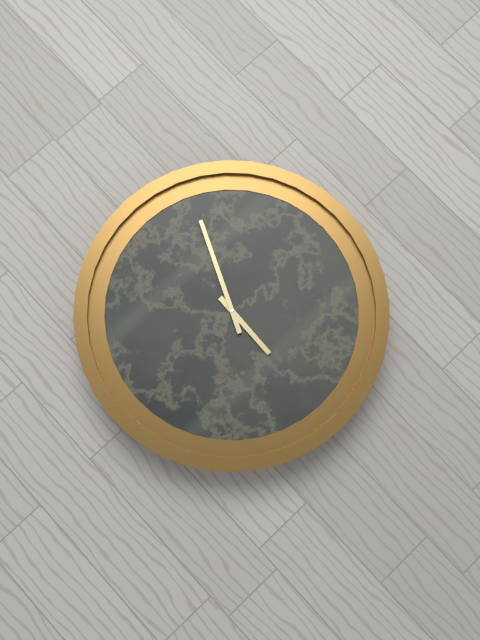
6:04
